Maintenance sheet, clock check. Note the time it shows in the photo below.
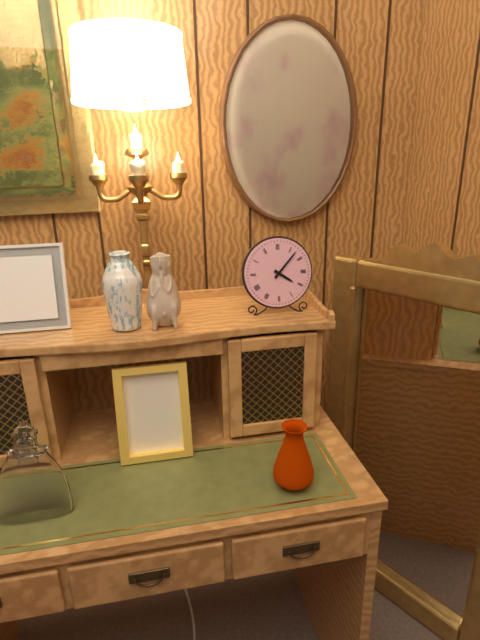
4:07
